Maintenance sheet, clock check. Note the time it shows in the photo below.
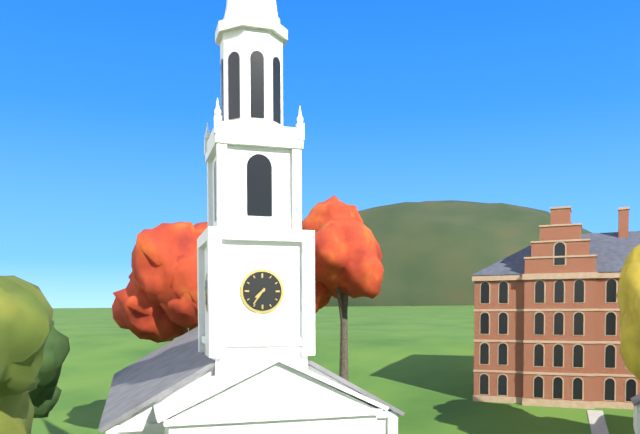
7:36
